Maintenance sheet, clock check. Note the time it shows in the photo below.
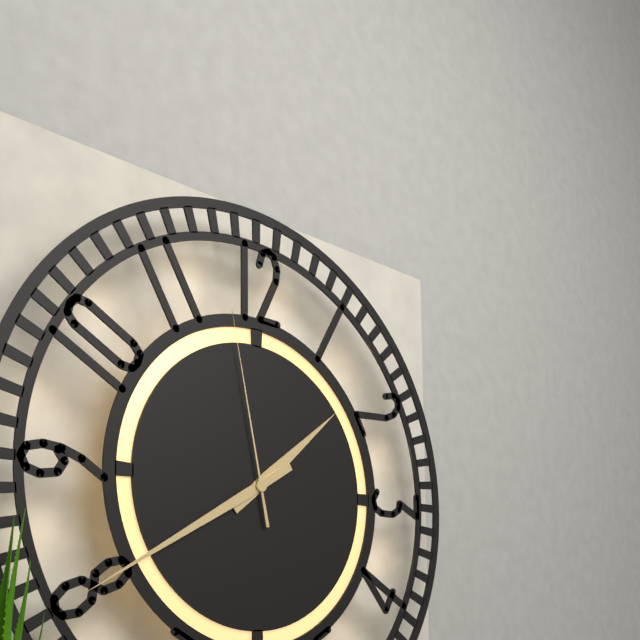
1:40:58
